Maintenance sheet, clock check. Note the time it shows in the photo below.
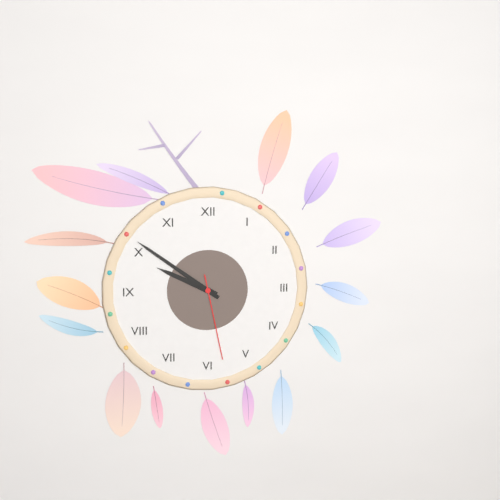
9:51:28
